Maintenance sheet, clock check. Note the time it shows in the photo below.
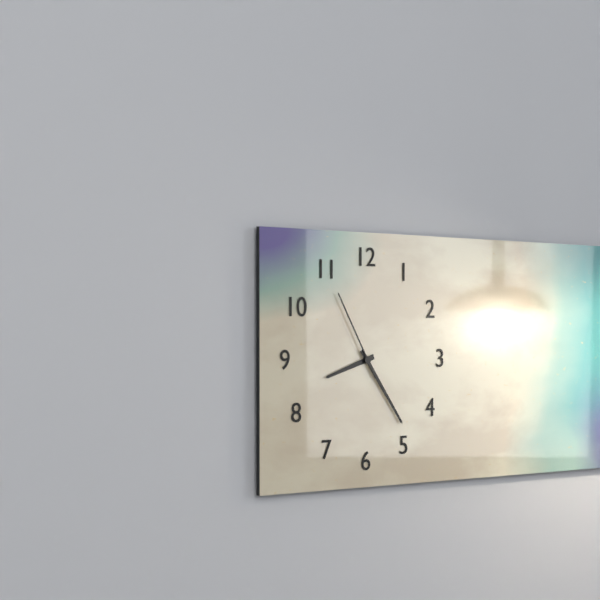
8:24:55
